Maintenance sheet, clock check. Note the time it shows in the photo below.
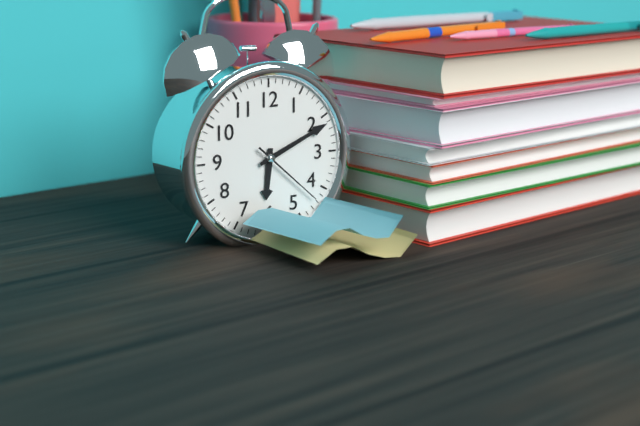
6:11:22
